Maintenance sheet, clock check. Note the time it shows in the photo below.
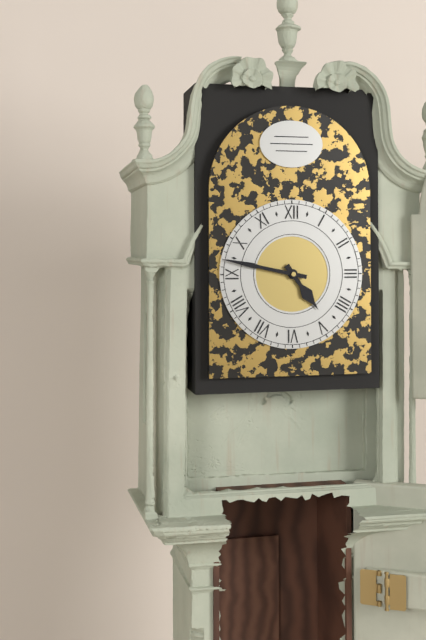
4:47
